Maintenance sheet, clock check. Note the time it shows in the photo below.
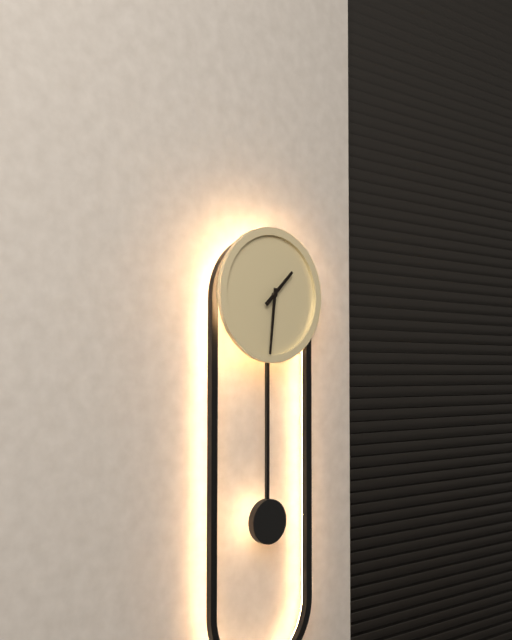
1:31
